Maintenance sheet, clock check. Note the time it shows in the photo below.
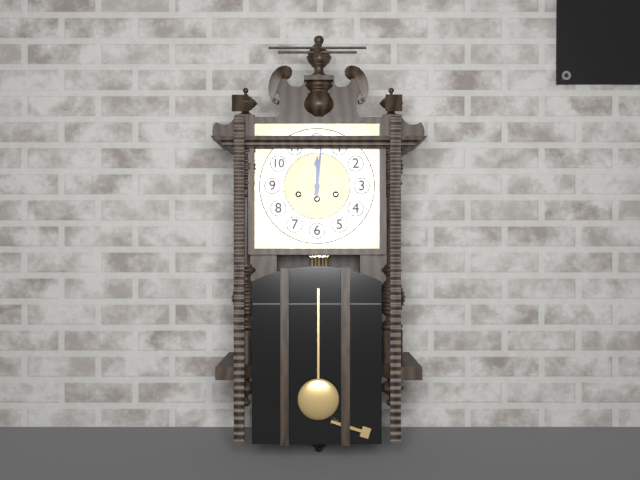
12:01
